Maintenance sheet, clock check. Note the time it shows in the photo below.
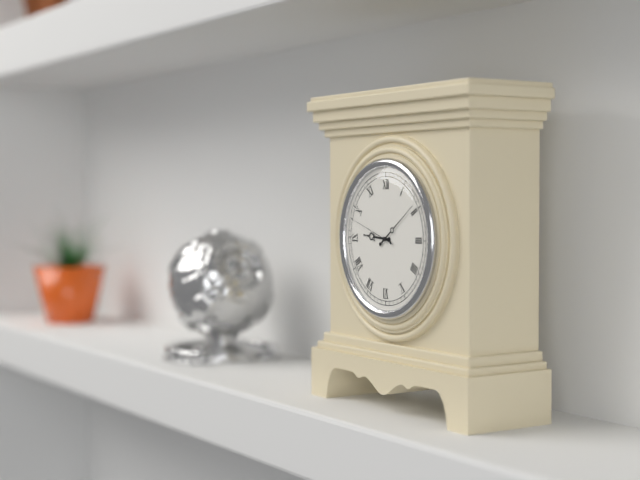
9:09:48
